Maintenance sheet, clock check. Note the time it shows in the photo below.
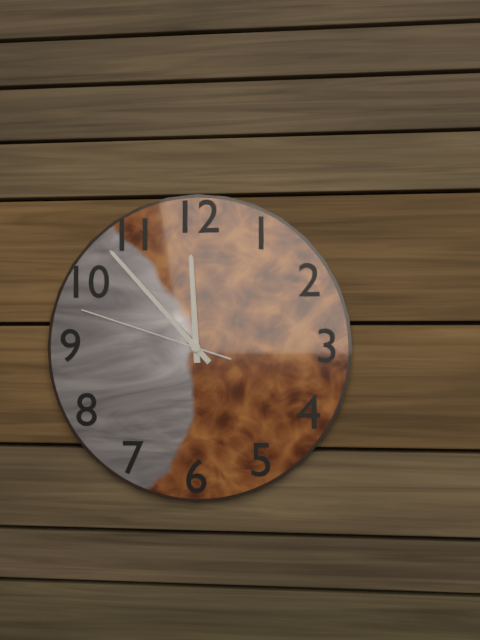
11:53:48
